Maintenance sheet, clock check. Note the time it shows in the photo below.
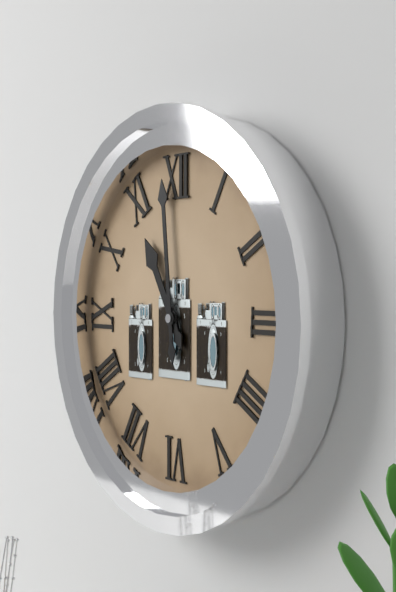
10:59
